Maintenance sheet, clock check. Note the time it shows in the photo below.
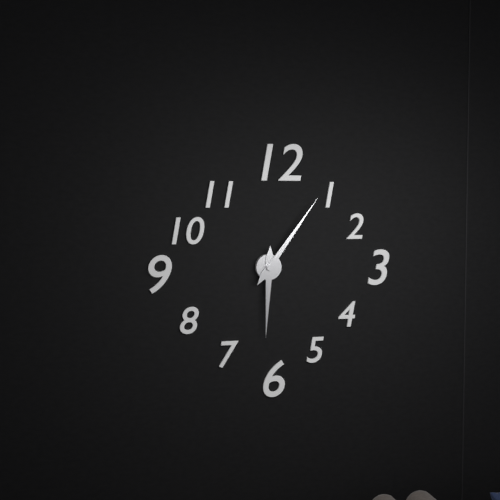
6:06
